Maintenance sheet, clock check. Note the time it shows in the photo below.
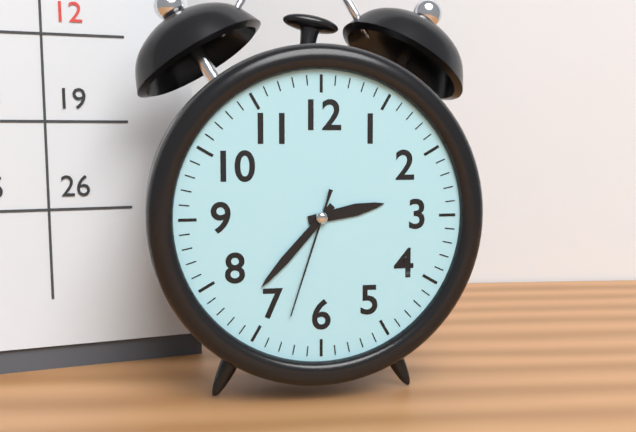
2:37:33
